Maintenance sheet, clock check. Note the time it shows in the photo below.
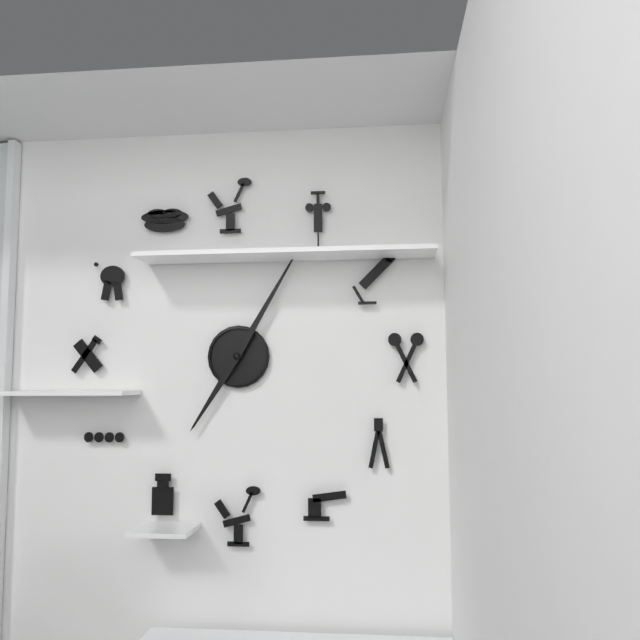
7:05
